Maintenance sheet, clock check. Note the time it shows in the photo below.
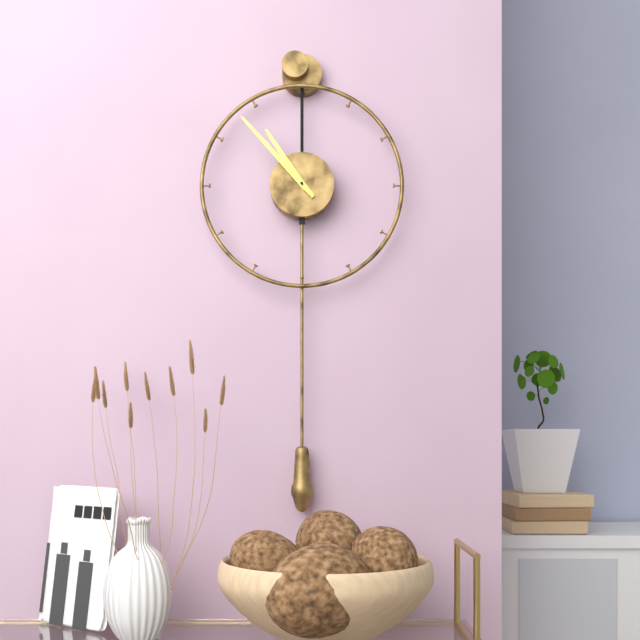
10:53
